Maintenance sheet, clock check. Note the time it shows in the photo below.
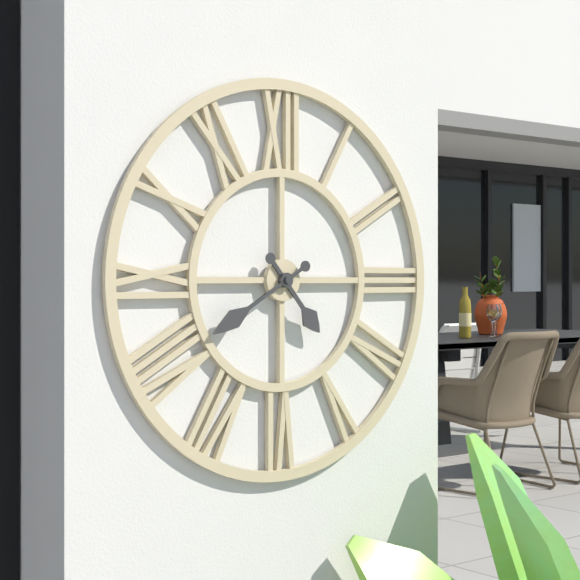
4:40
